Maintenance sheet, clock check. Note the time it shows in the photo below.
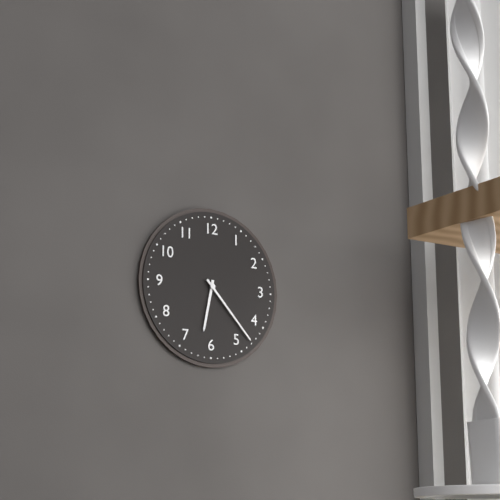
6:23
